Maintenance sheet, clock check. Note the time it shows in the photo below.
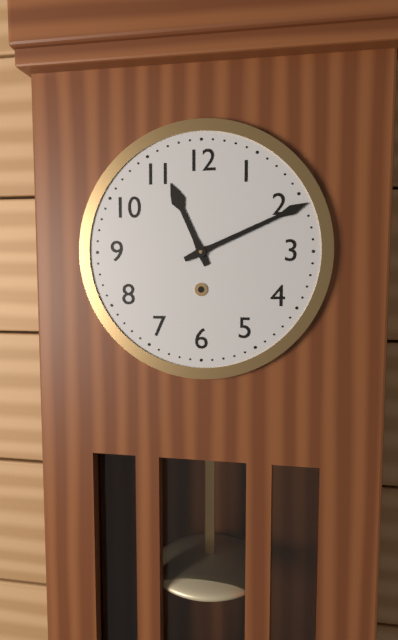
11:11
